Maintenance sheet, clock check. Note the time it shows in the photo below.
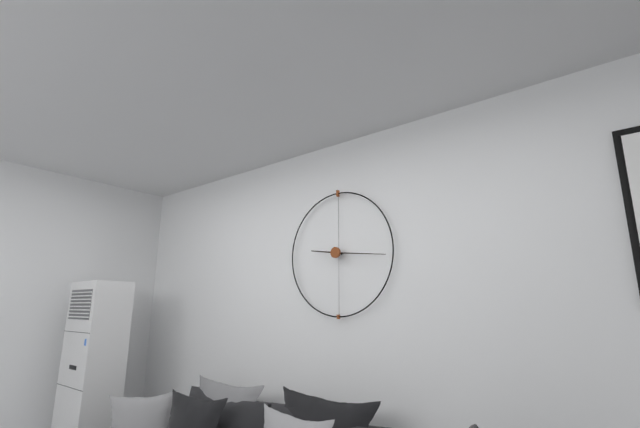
9:16
